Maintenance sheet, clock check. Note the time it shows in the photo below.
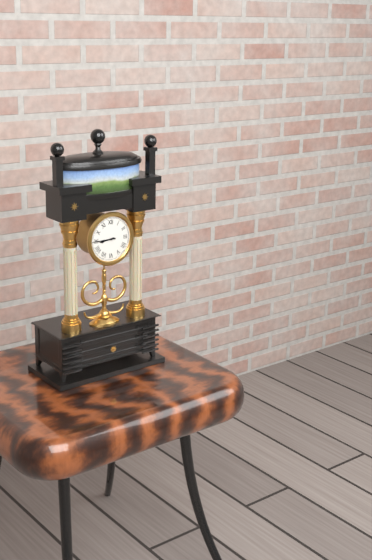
8:45
